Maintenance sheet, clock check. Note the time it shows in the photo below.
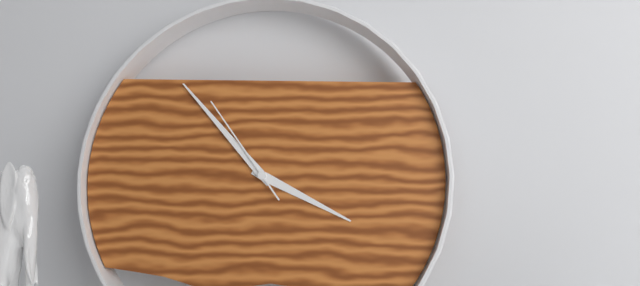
3:53:54
